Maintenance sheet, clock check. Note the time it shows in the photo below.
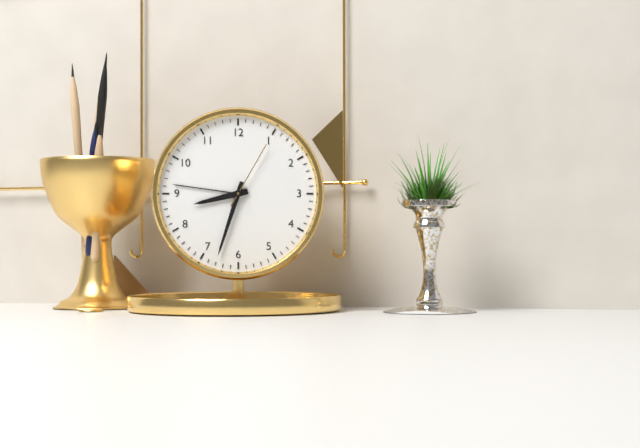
8:33:05
